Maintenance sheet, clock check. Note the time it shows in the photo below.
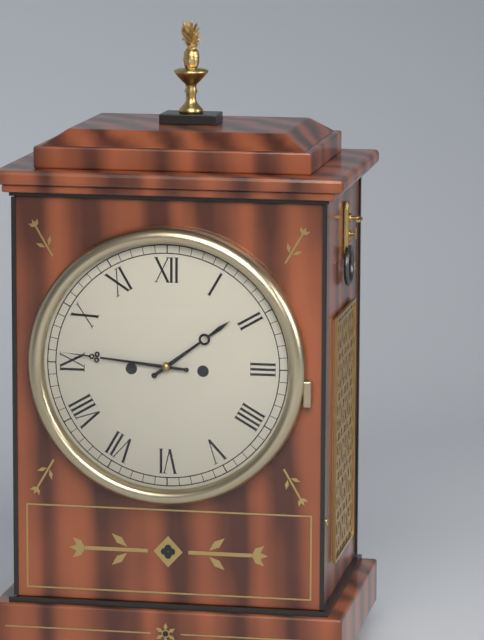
1:46
